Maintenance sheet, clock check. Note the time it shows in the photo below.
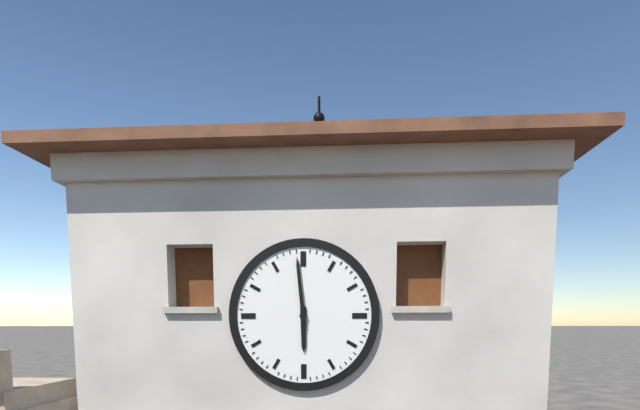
5:59
